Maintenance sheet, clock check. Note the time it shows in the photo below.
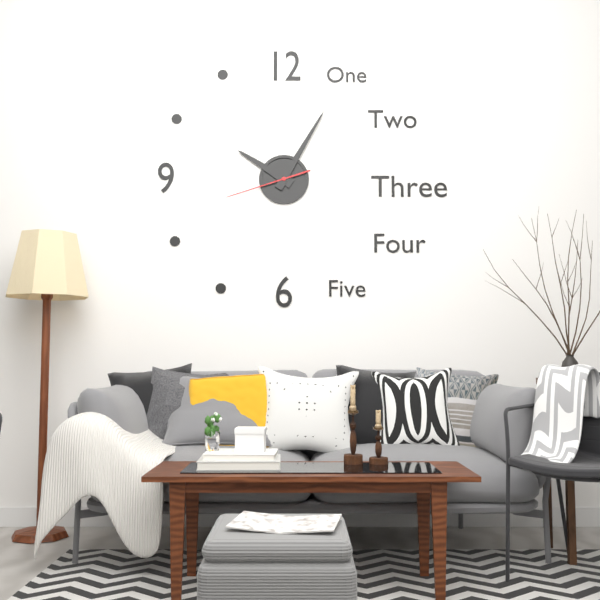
10:05:42
